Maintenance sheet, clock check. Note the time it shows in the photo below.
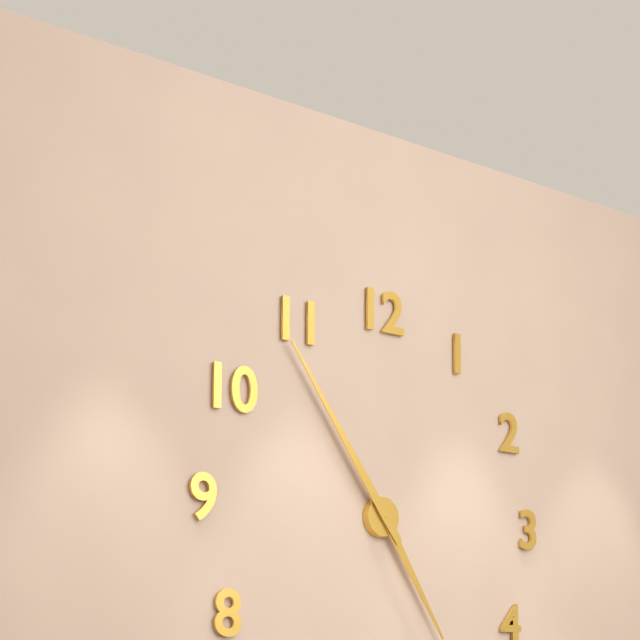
4:54
